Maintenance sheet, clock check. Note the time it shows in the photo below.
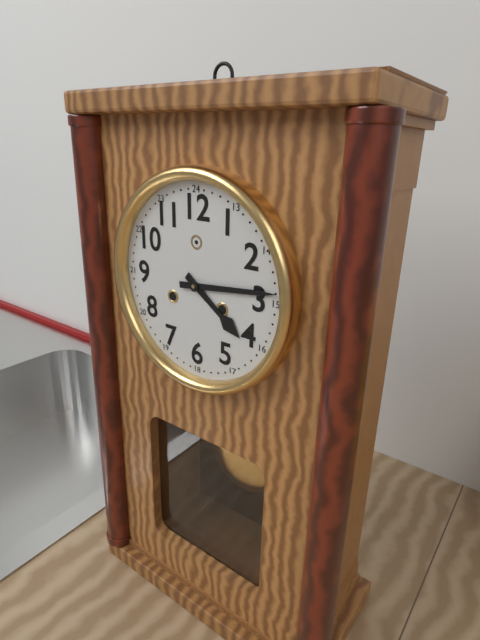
4:14
